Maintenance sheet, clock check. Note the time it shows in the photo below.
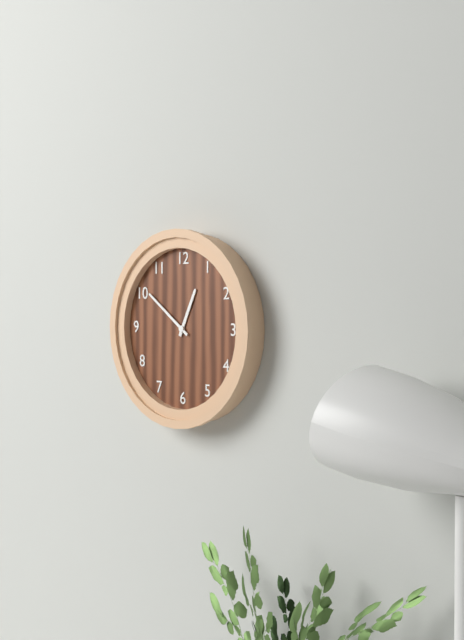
12:51
